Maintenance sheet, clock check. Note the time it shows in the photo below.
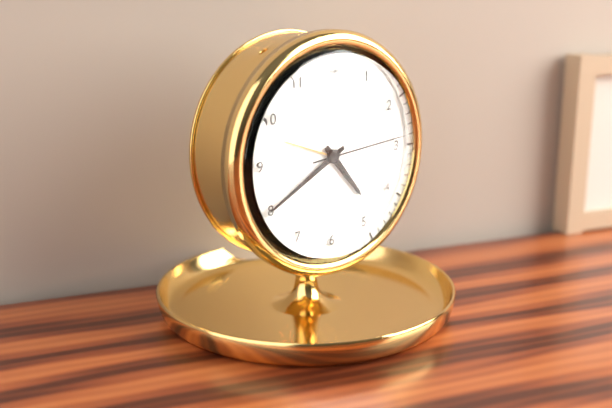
4:40:14
